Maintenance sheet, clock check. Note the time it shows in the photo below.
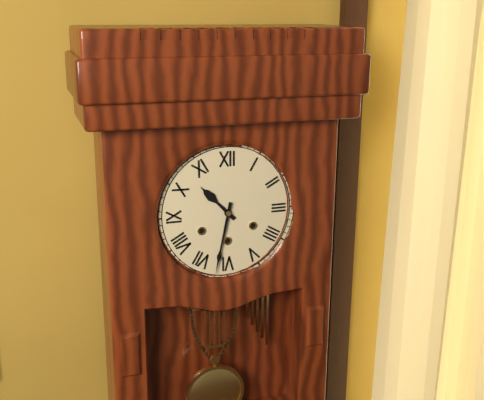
10:32
